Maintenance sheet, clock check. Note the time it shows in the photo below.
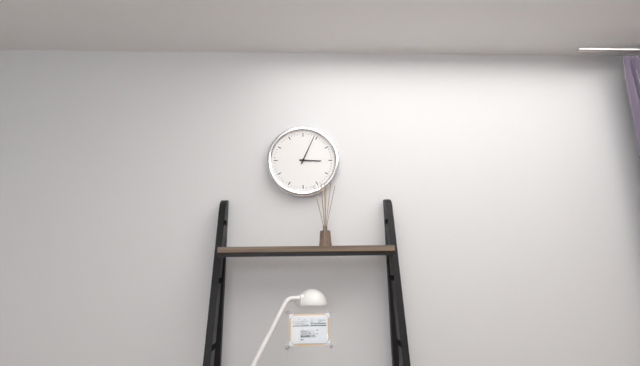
3:04
